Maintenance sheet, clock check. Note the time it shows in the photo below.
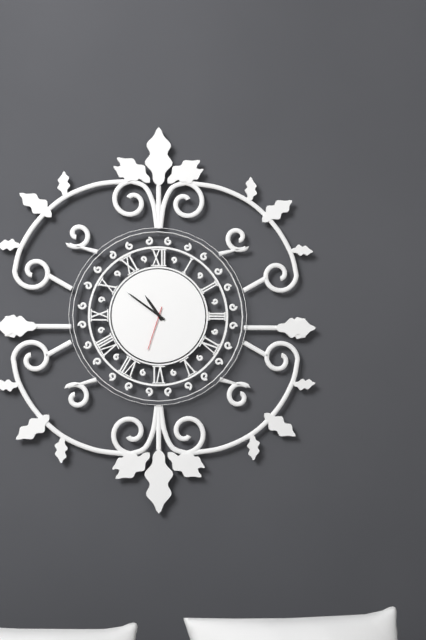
10:51
